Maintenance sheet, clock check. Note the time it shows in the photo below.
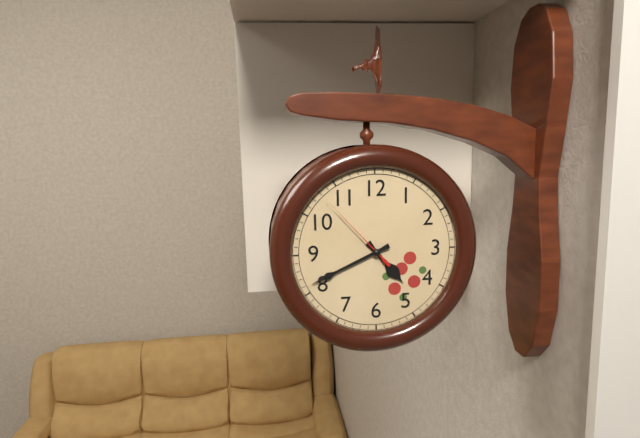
4:41:53
